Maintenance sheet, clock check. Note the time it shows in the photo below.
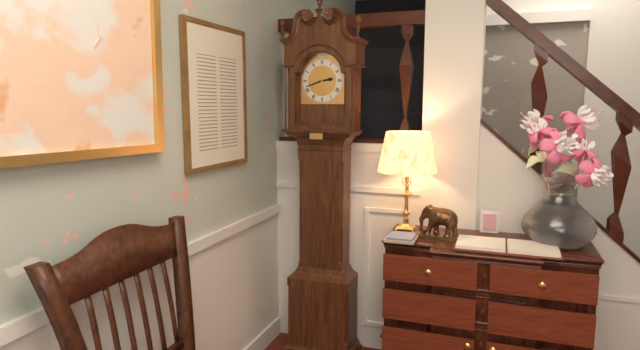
2:42
